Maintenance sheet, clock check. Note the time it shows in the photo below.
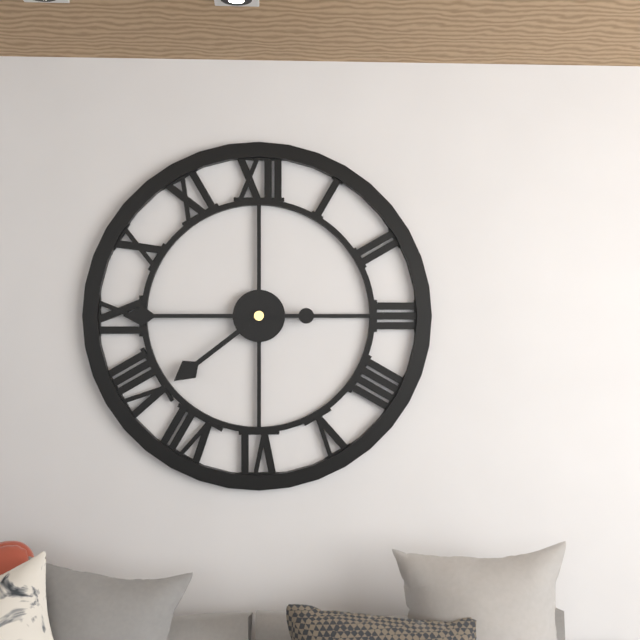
7:45
